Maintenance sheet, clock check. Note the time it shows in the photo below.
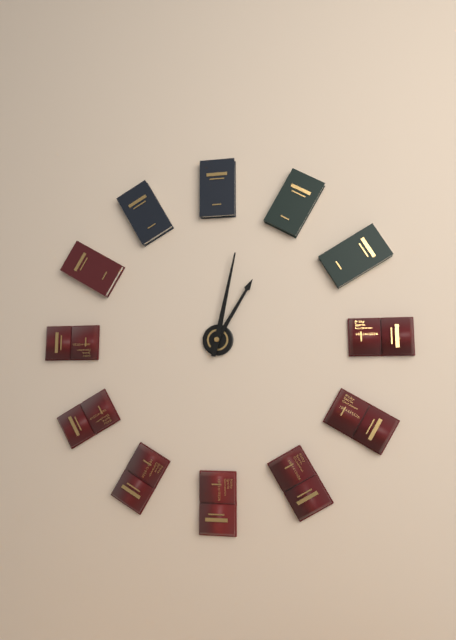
1:02
